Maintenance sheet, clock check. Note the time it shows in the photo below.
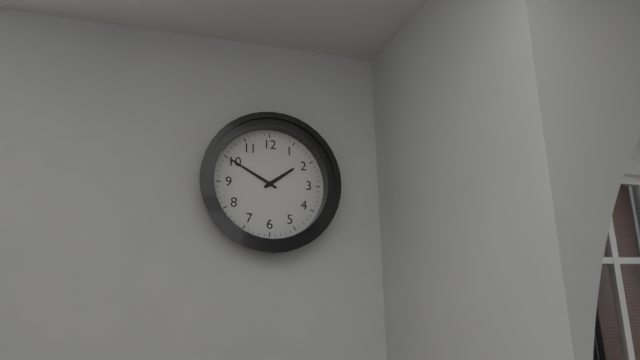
1:50
